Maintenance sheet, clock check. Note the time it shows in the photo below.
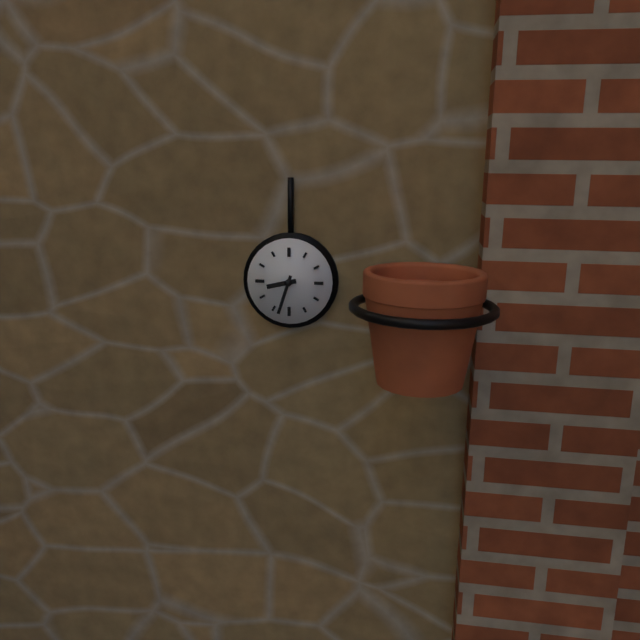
8:33
